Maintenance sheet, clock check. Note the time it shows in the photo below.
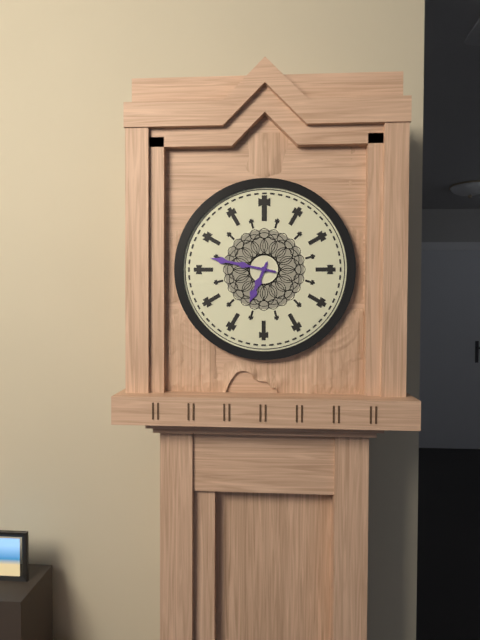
6:47
